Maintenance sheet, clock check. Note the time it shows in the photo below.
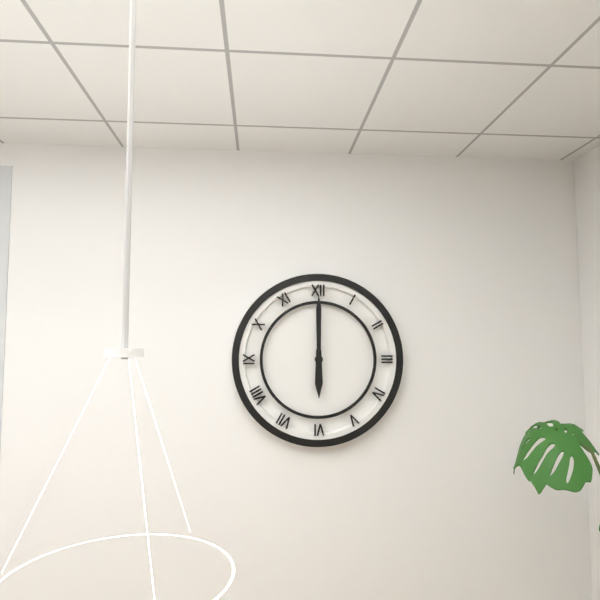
6:00
